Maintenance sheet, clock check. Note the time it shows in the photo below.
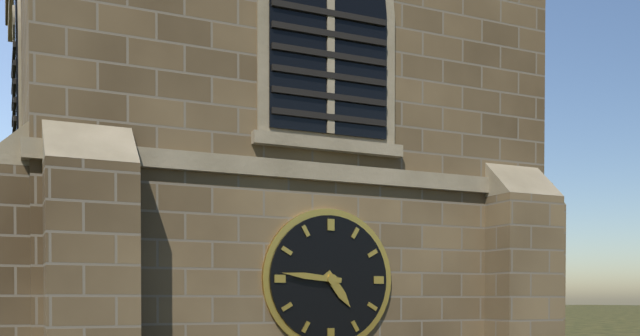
4:46
